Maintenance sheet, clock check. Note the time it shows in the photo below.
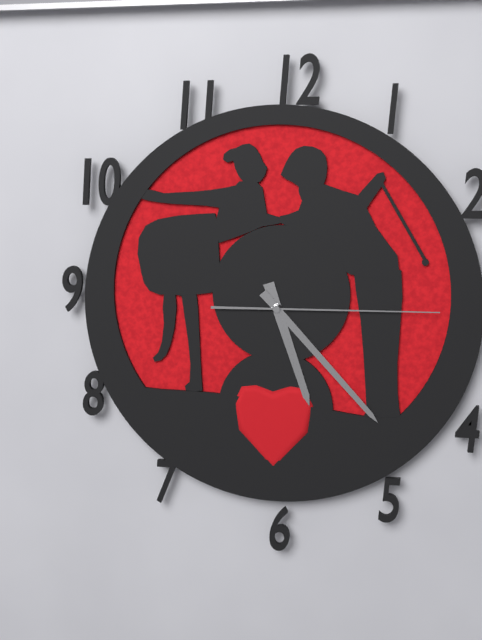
5:23:15
